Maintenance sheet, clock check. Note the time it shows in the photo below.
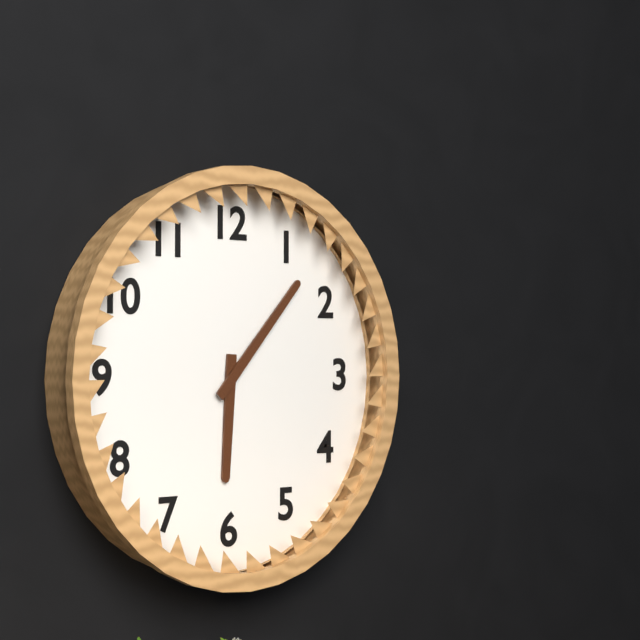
6:07
